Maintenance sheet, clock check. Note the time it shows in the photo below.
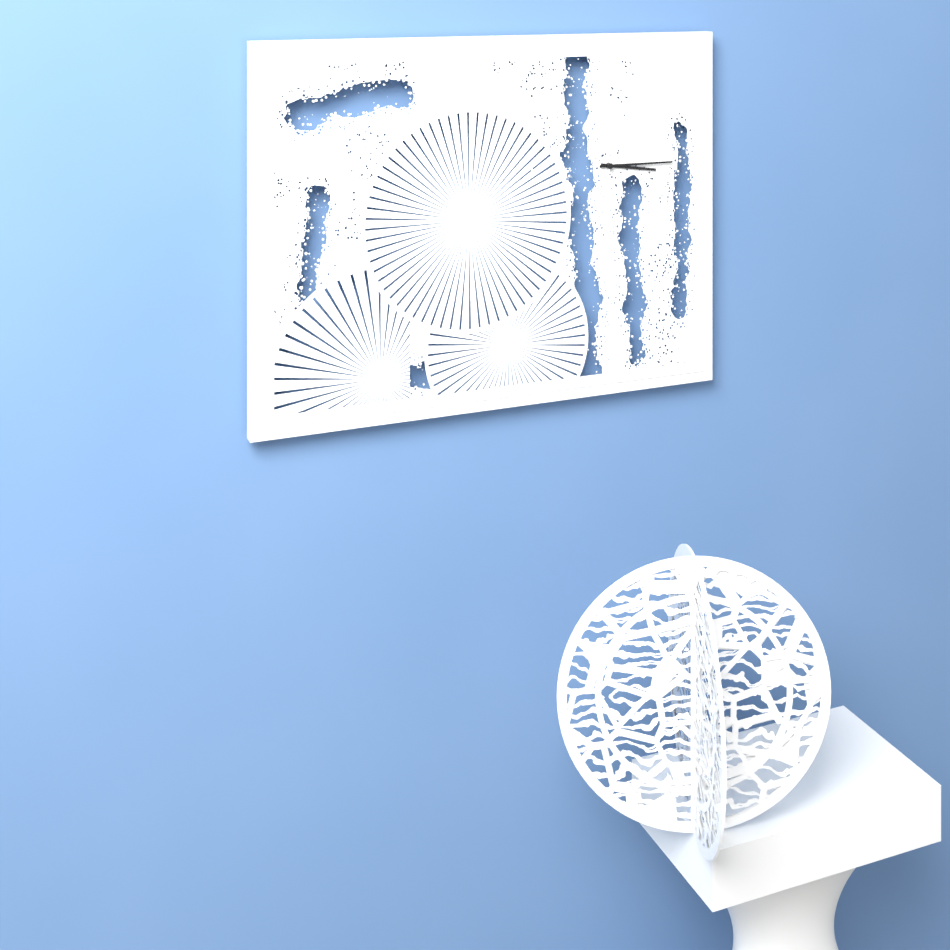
3:15:32
